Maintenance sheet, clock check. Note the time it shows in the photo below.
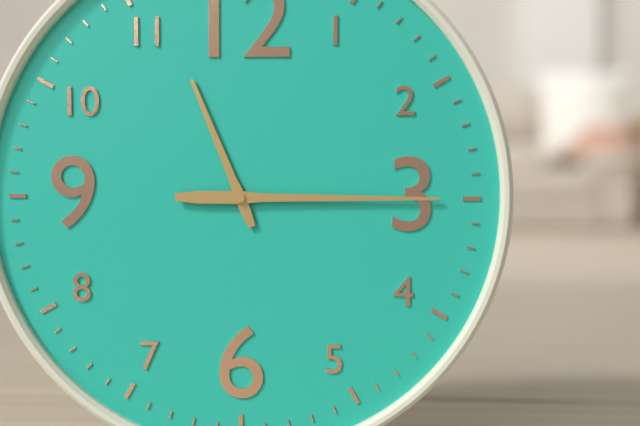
11:15
